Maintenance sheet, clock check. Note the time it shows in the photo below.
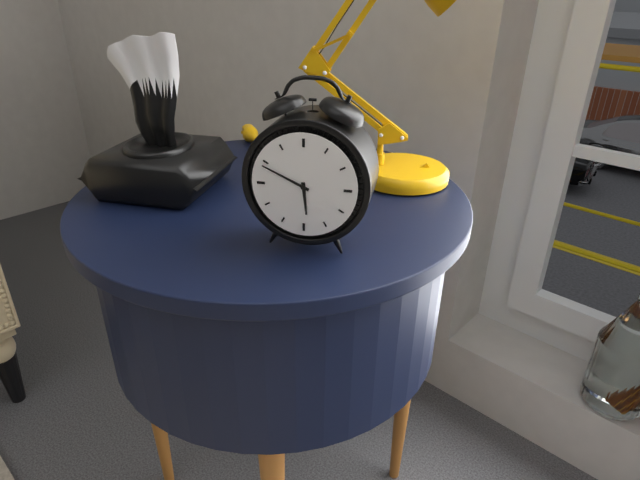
5:49
